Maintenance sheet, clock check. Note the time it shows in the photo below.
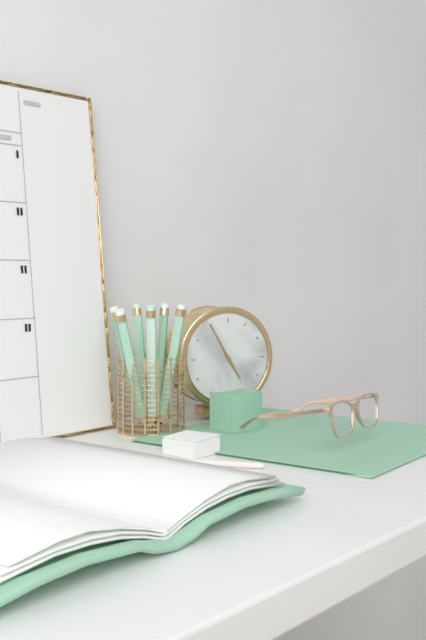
4:55
